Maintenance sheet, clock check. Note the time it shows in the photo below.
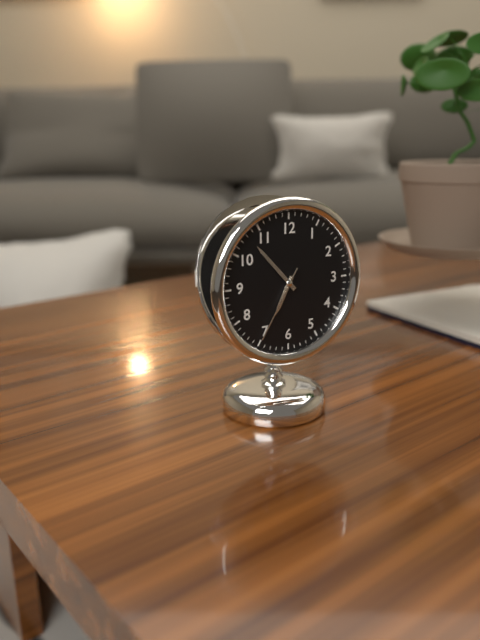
6:53:35
